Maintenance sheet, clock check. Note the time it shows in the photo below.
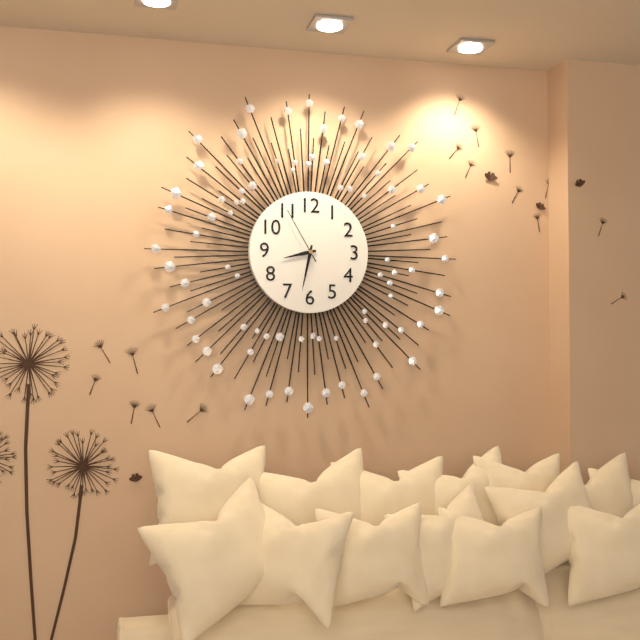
8:32:55
